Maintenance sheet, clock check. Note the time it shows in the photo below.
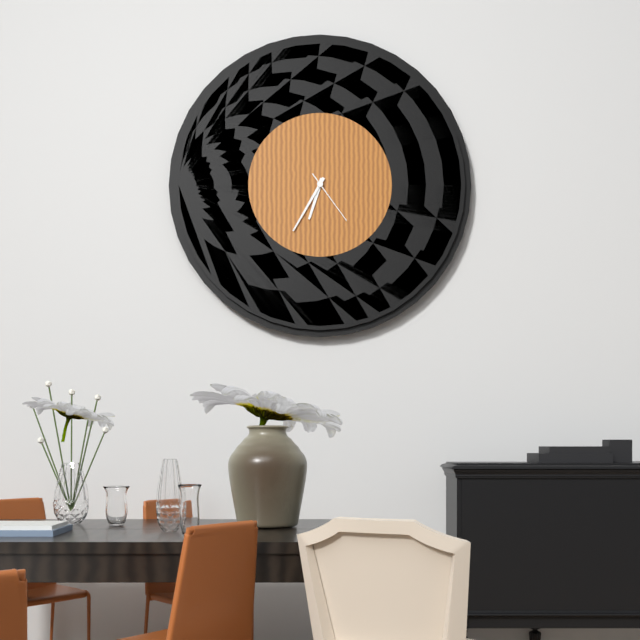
6:35:24
